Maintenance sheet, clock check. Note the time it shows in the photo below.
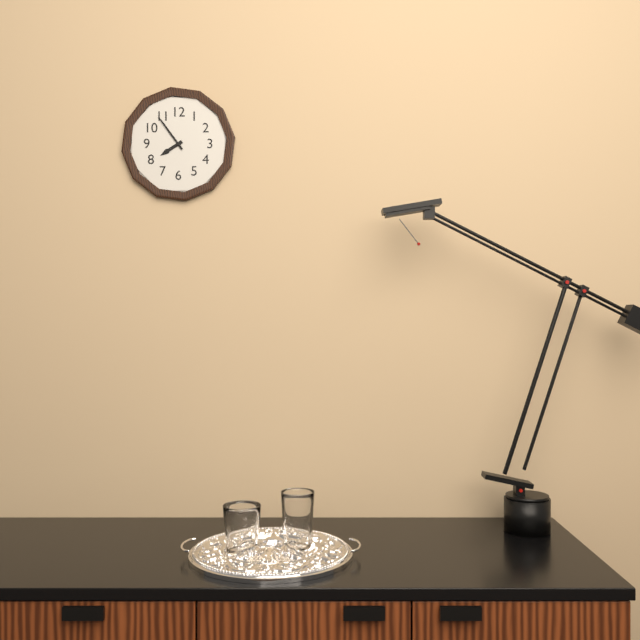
7:54
